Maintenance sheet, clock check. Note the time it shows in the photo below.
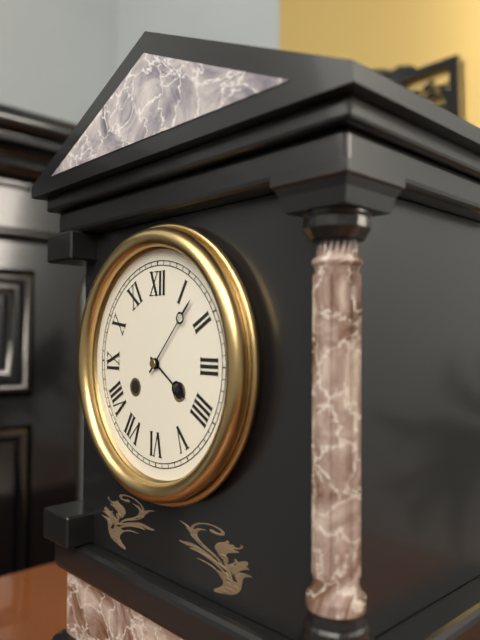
4:07
